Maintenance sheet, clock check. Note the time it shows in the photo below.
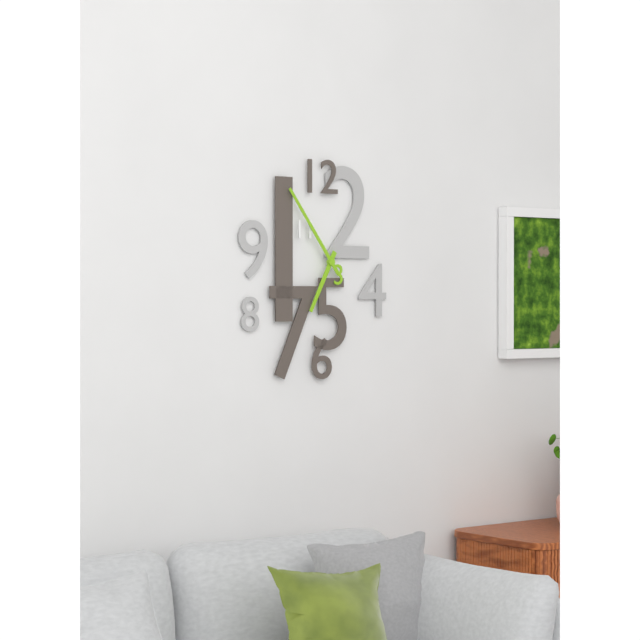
6:54
